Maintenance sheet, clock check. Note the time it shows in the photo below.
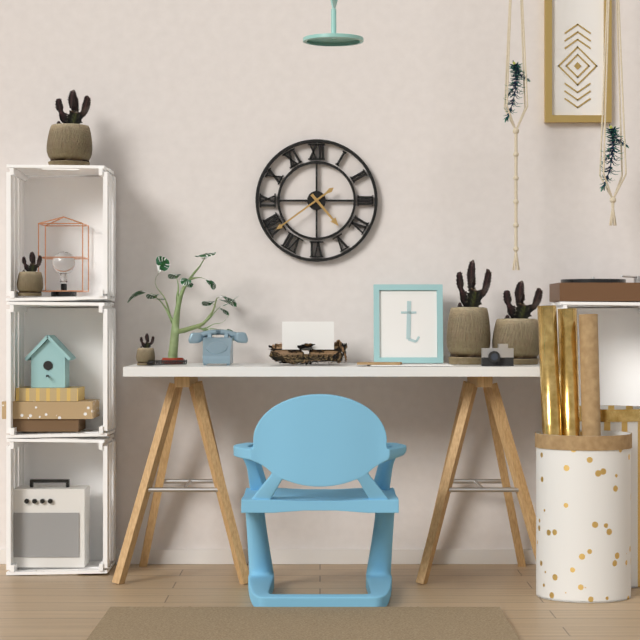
4:39
